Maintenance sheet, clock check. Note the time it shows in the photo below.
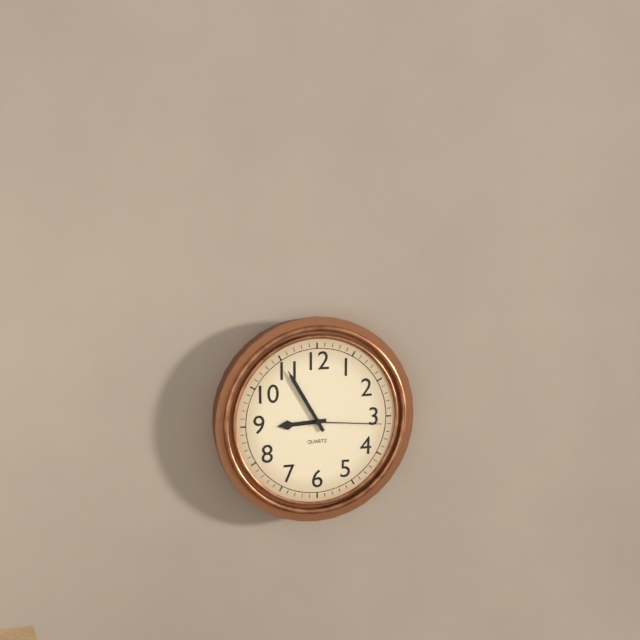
8:55:16
